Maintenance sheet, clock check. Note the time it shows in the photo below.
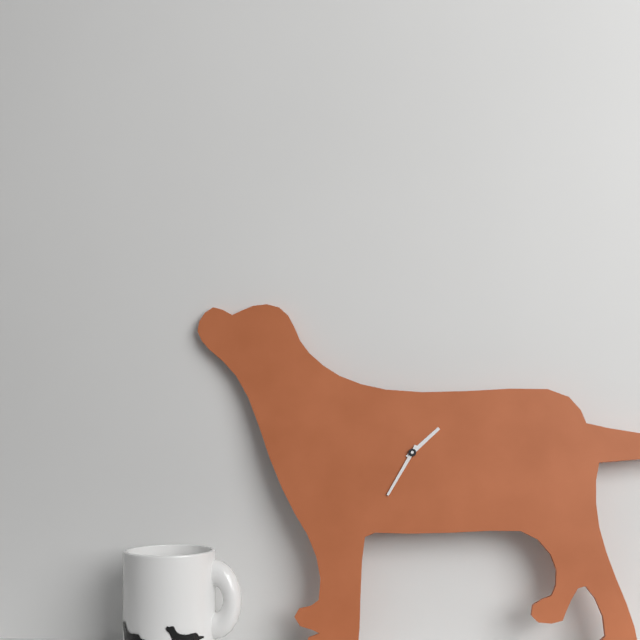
1:35
